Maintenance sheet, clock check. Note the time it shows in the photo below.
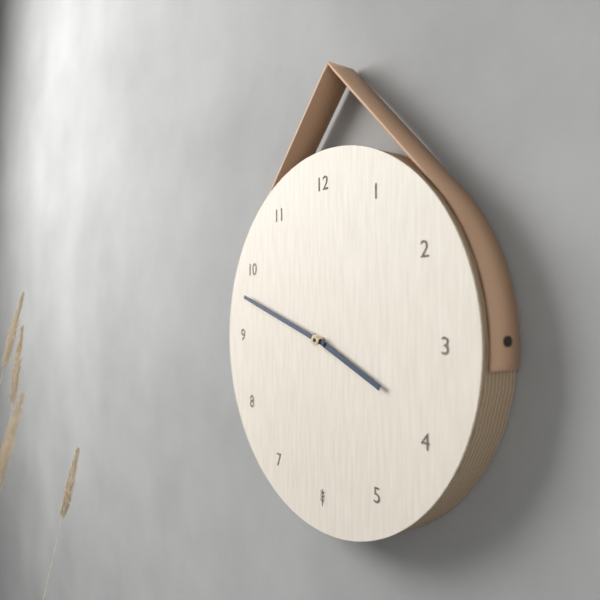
3:48
